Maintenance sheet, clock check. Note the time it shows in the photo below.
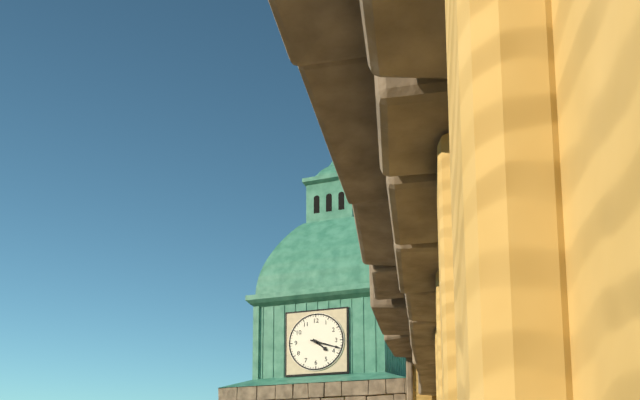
4:18
